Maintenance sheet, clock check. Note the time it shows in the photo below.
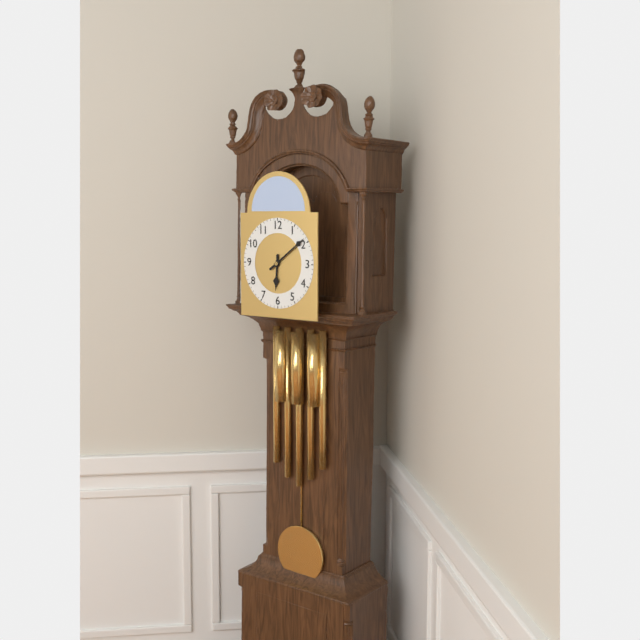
6:09
